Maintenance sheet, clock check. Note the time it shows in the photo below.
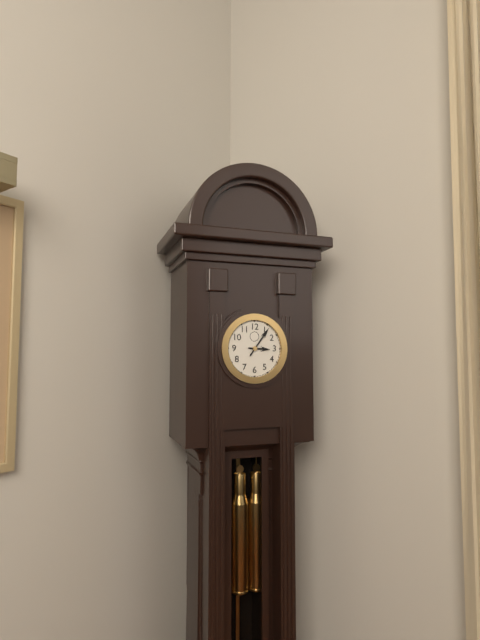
3:06
